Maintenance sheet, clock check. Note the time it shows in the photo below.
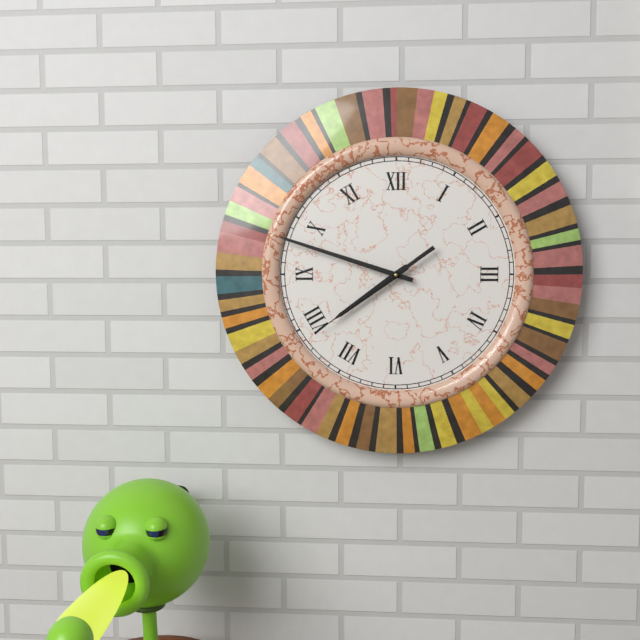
7:48:39
